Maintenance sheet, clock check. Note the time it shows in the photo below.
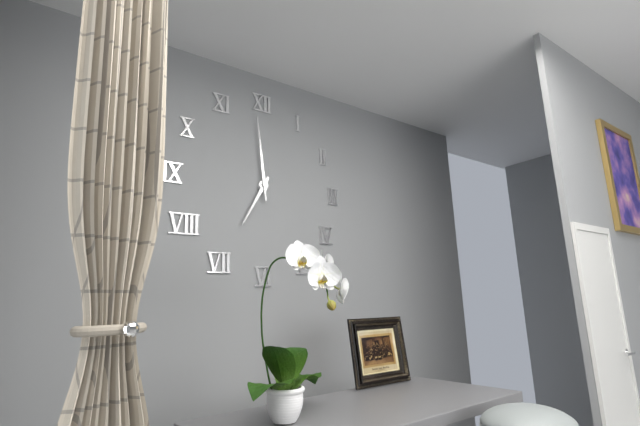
6:59
